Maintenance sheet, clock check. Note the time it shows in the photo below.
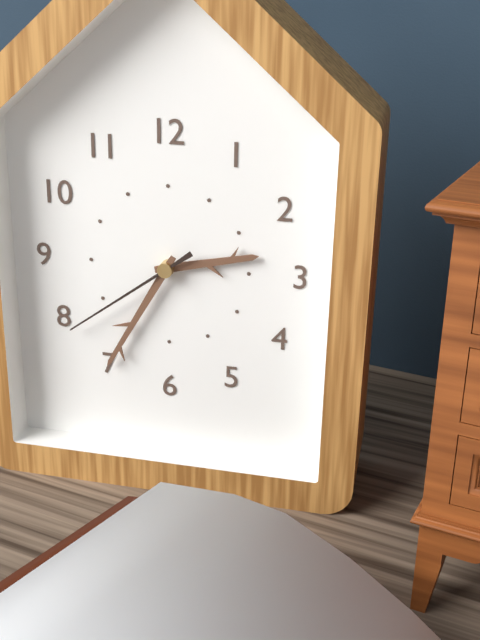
2:35:39
